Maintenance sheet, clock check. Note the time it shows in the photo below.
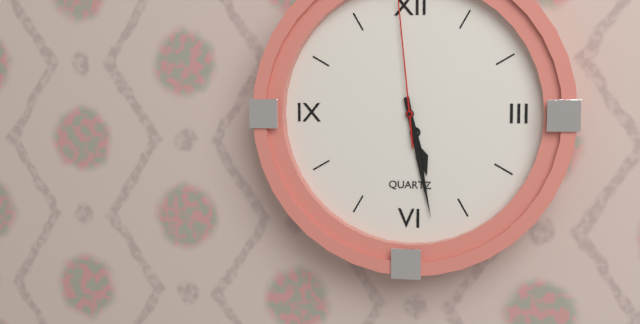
5:28
